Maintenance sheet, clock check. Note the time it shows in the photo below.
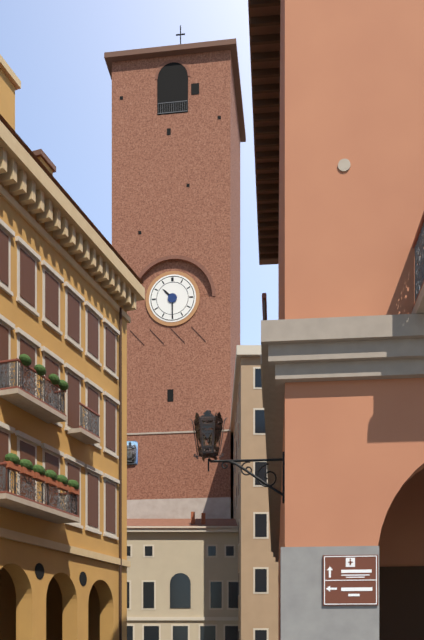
10:30
